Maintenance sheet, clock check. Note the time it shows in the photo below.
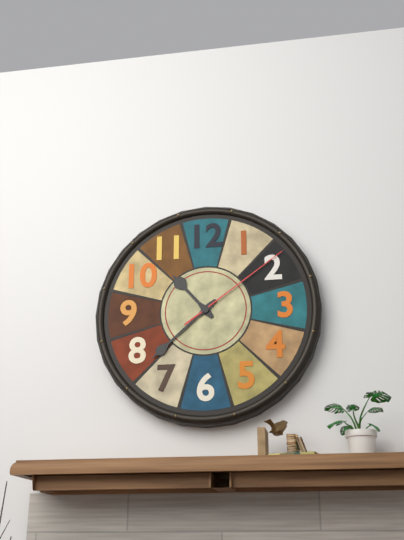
10:38:09
